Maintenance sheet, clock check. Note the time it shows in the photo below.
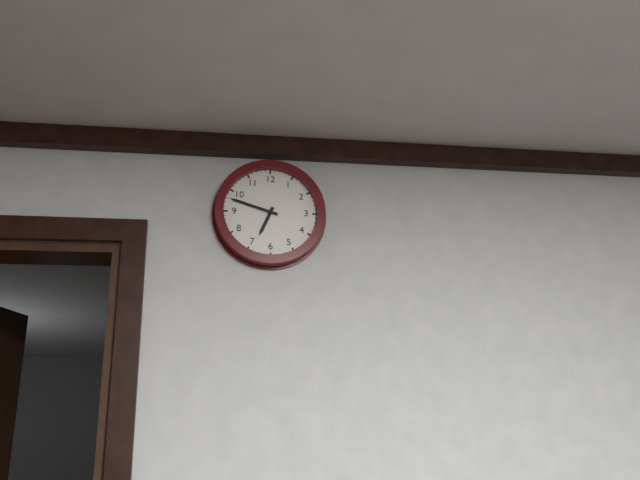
6:48
